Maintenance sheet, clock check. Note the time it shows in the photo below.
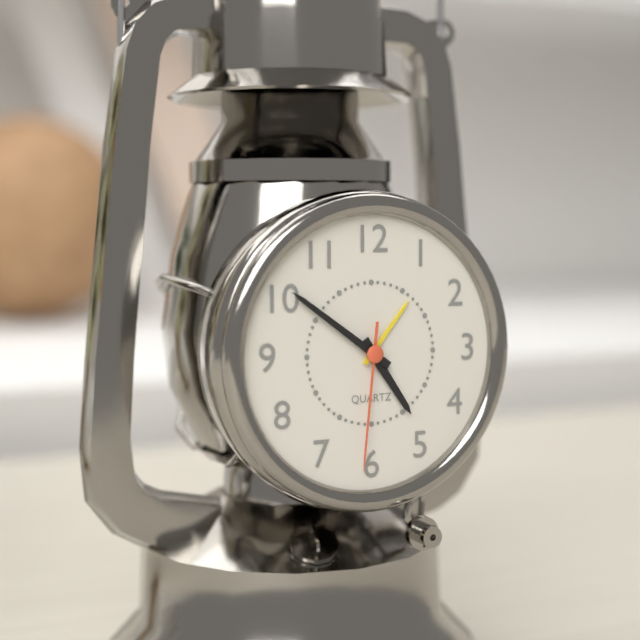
4:51:31
